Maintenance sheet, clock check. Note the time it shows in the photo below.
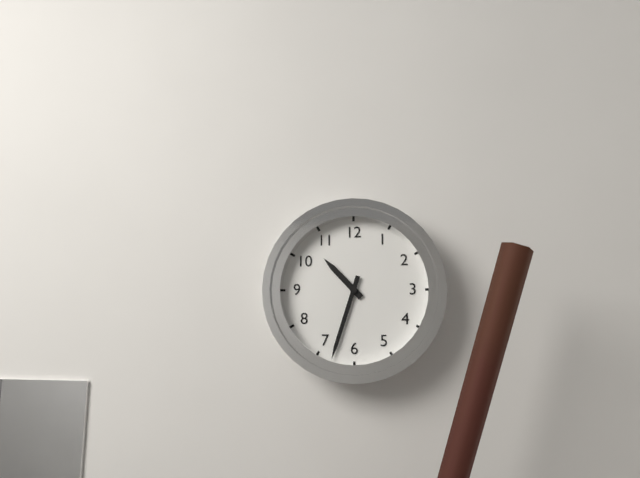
10:33
